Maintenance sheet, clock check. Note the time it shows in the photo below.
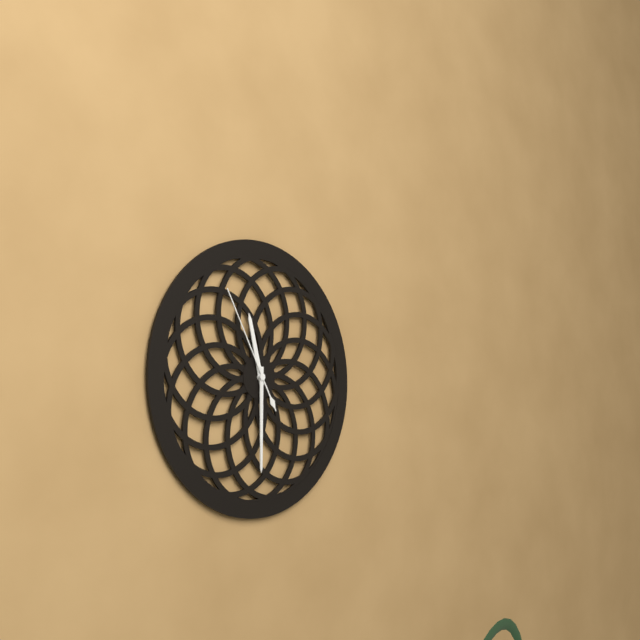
11:30:55
